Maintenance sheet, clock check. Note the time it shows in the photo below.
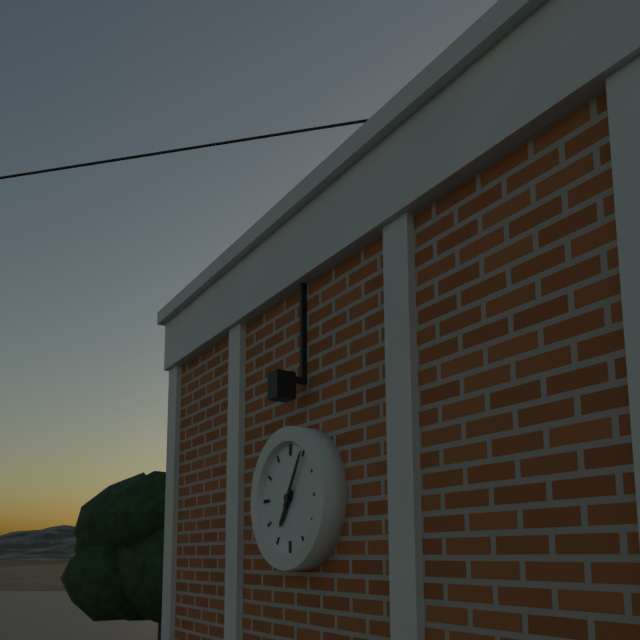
7:05
